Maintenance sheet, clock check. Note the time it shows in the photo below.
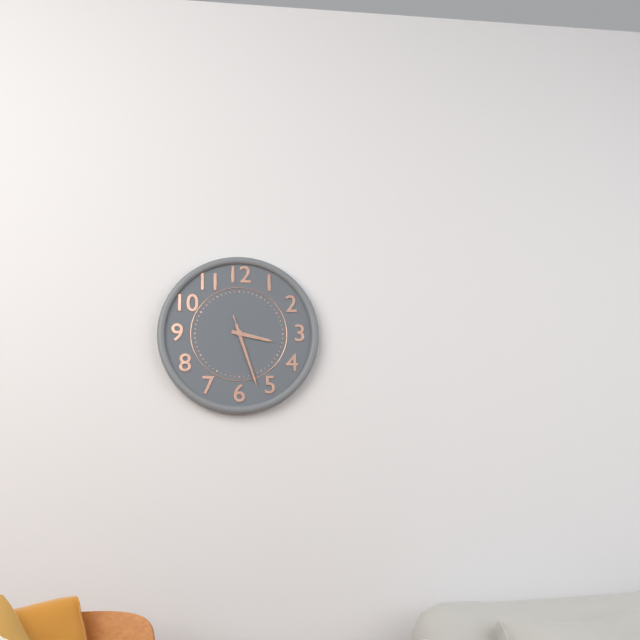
3:27:27
